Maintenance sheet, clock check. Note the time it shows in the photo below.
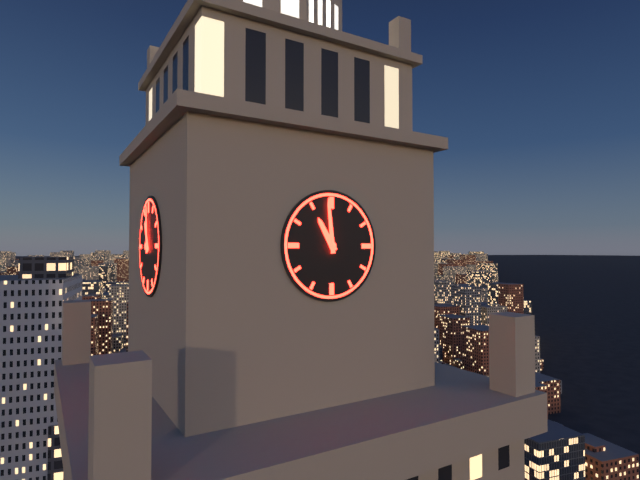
10:59
